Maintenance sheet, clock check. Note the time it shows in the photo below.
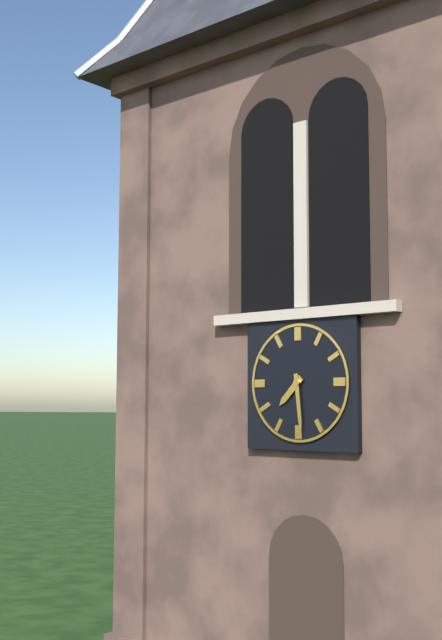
7:29
